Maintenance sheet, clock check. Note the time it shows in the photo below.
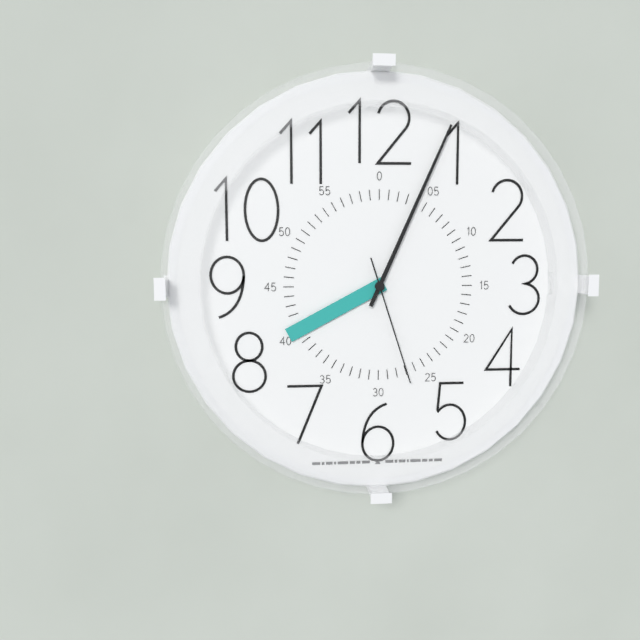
8:04:27
